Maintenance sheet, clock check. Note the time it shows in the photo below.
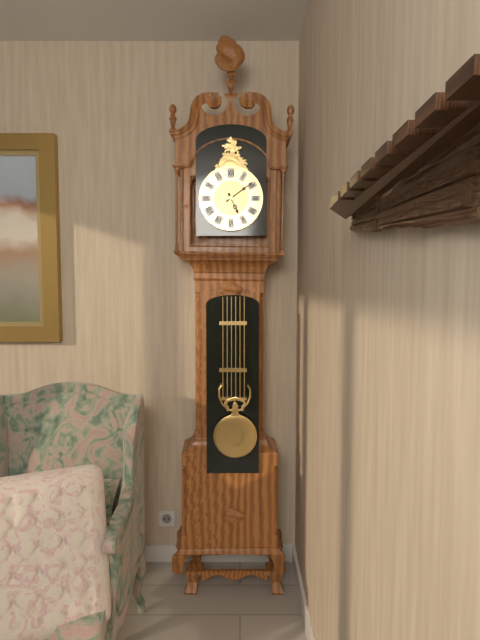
5:09
